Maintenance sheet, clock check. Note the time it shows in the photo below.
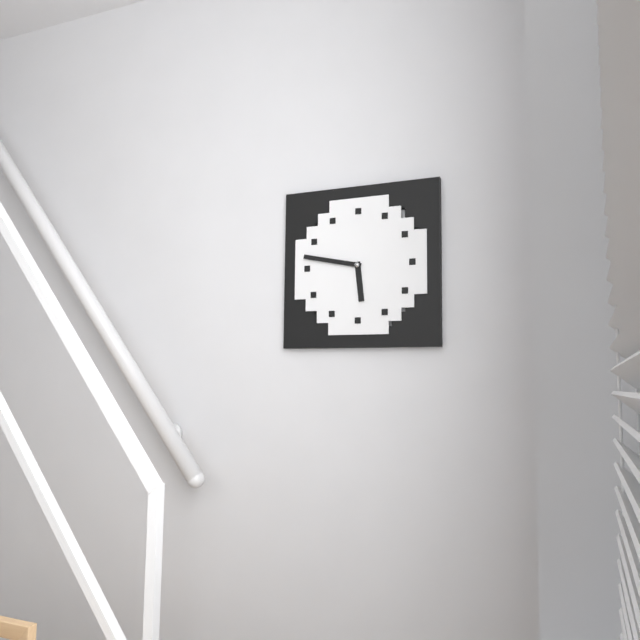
5:47
